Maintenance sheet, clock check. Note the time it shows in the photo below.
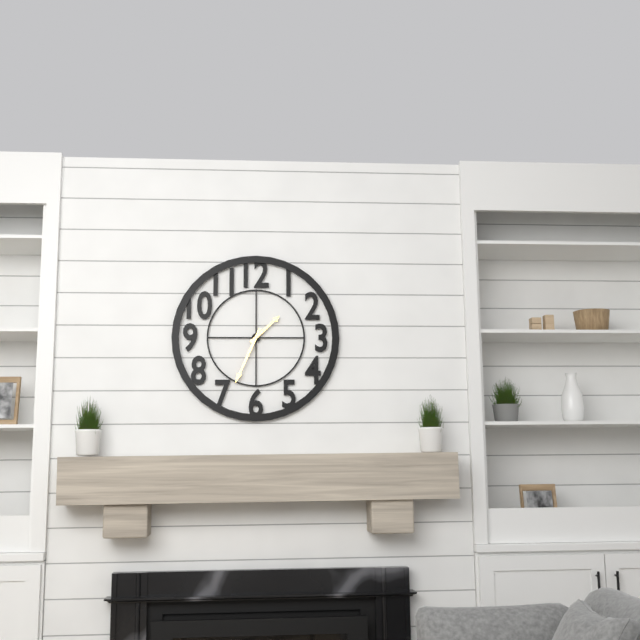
1:34
